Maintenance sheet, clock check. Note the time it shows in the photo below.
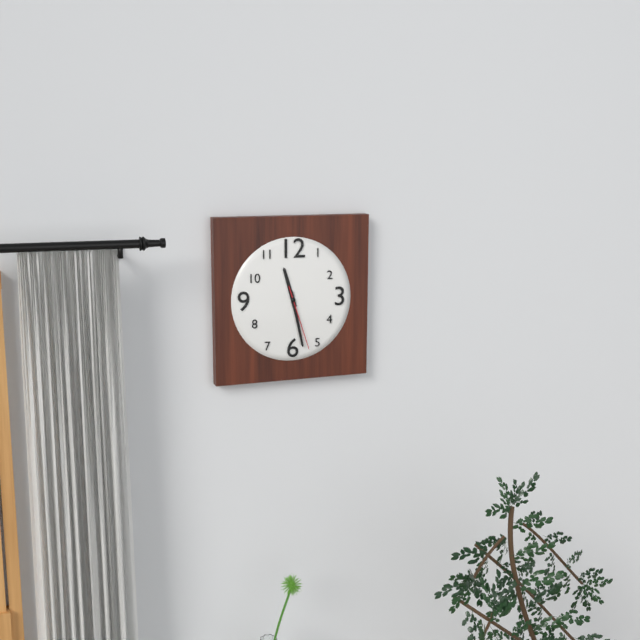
11:28:27
